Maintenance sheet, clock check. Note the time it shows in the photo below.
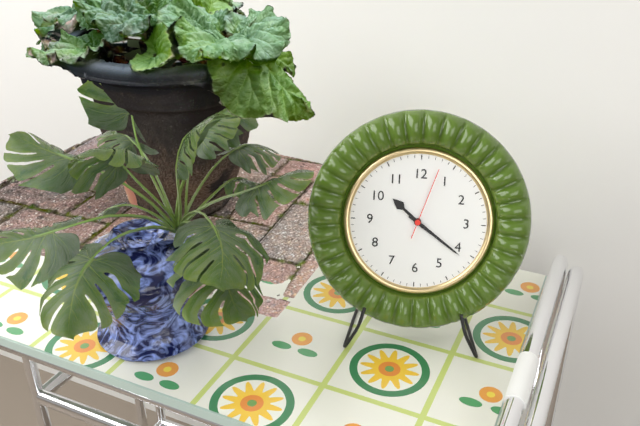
10:21:03
